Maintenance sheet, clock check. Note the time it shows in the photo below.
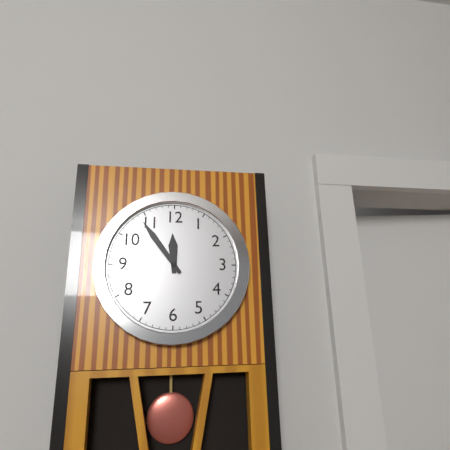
11:54
